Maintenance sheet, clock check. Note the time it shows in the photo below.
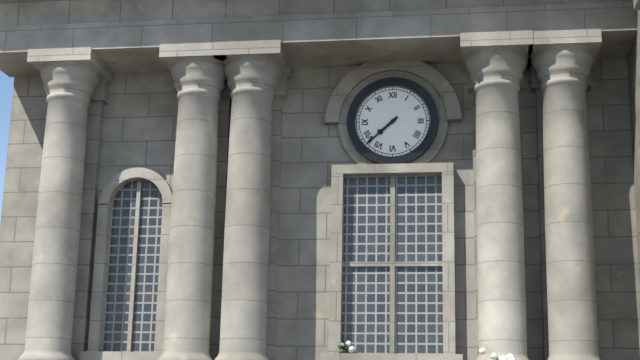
7:38
